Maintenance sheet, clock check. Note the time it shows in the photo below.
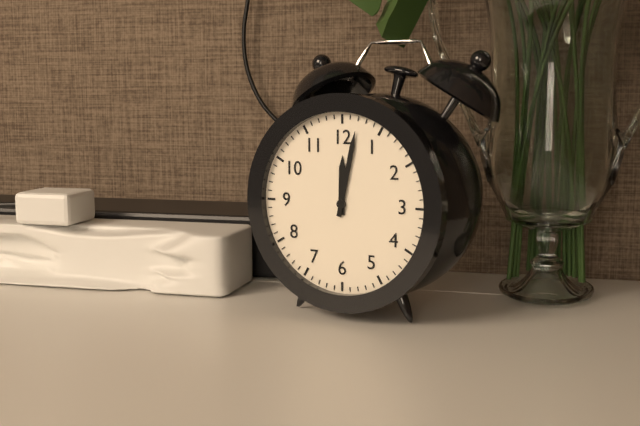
12:02
